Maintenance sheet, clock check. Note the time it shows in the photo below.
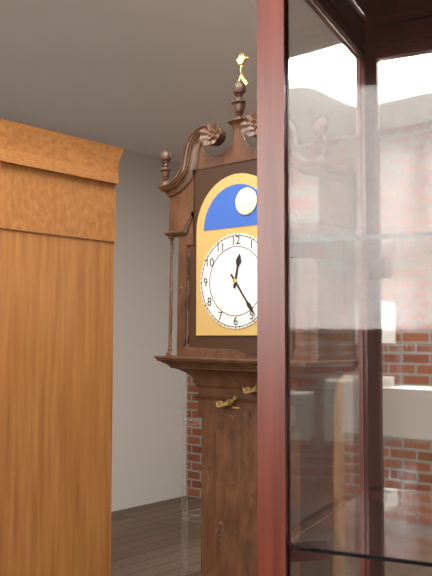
12:24
